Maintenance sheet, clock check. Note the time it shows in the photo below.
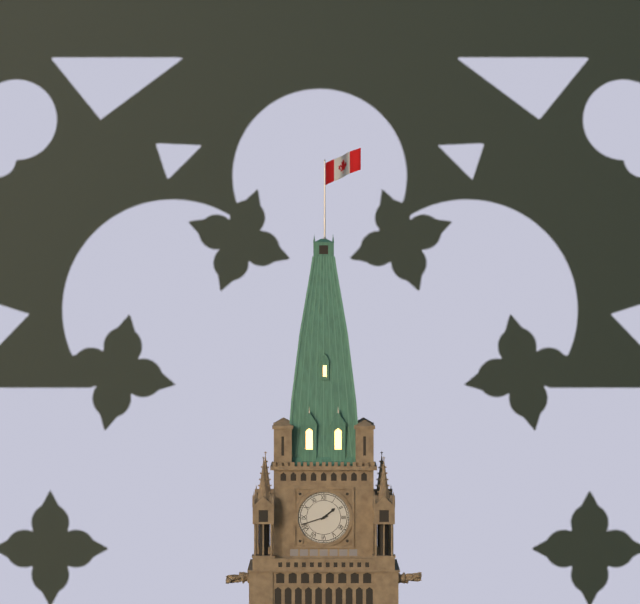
1:42
